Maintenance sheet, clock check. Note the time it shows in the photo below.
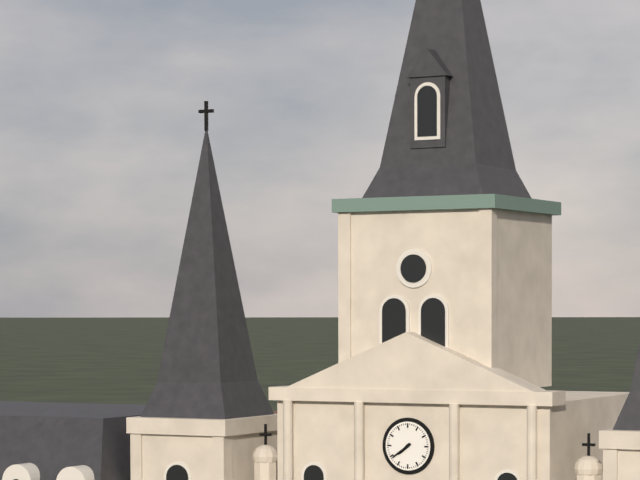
7:39
